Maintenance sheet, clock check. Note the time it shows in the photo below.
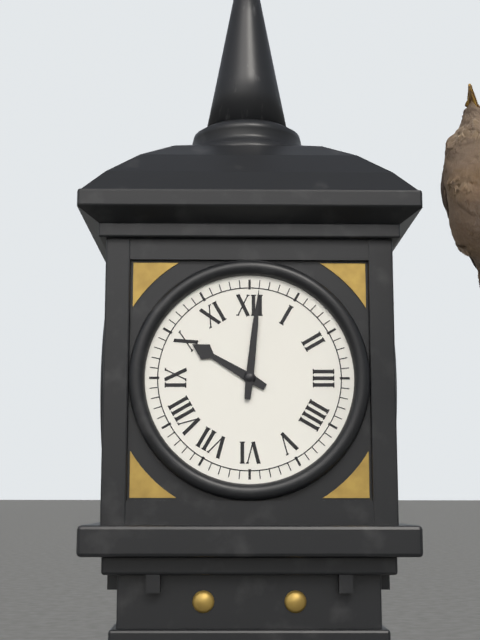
10:01
